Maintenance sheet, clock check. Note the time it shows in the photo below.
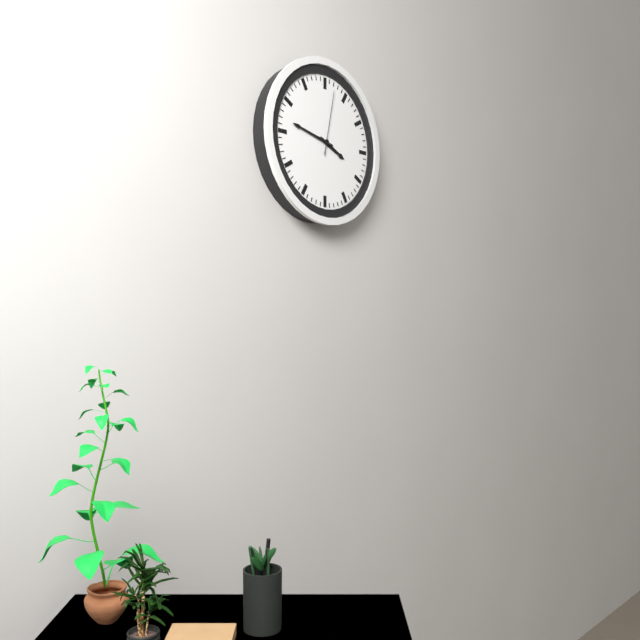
3:47:02
